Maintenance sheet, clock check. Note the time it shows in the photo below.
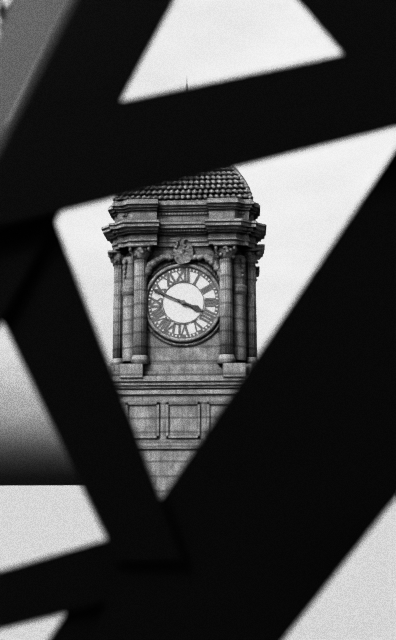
3:49
